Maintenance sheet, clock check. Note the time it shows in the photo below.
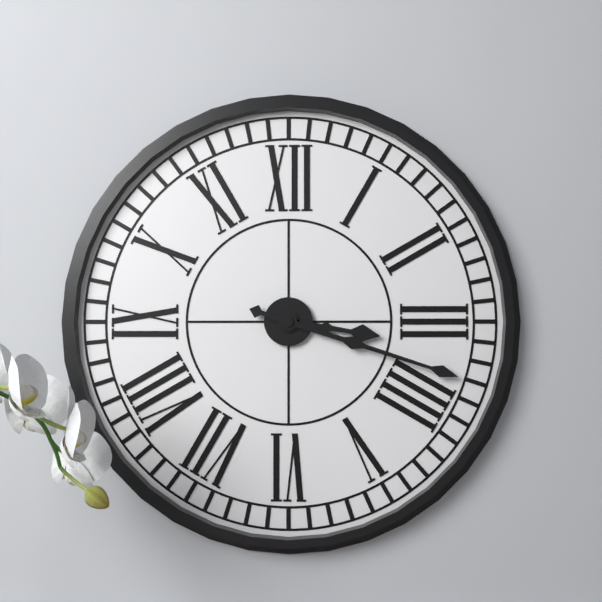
3:18
